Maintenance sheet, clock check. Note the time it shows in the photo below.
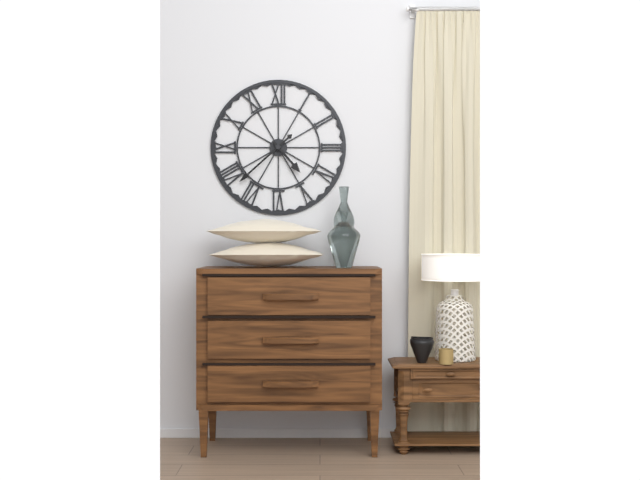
4:38
